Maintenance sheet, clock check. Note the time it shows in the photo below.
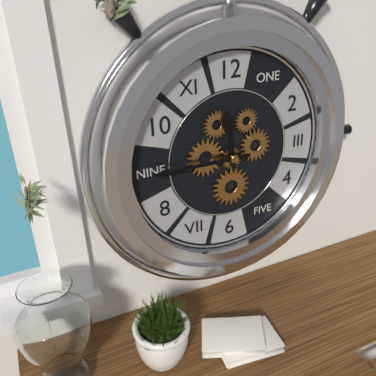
11:45
